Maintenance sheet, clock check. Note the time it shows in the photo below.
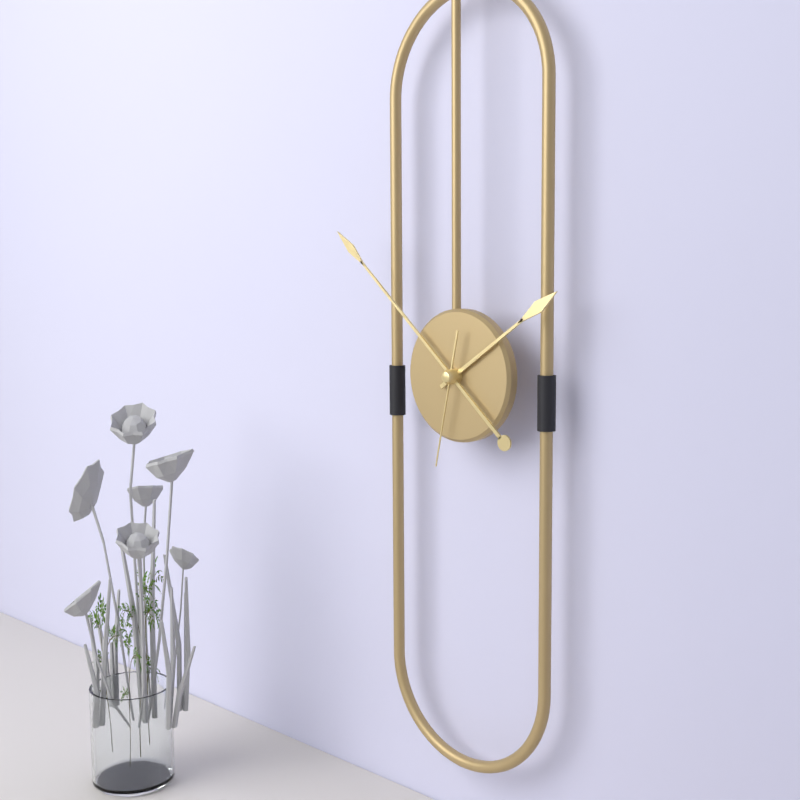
1:52:32
